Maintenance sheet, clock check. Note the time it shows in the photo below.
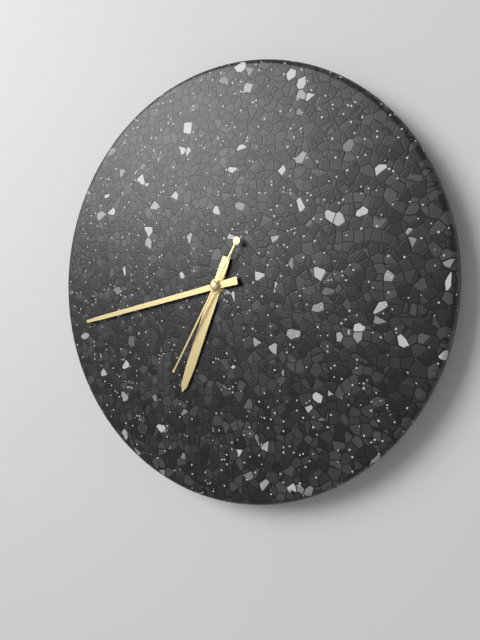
6:43:35
